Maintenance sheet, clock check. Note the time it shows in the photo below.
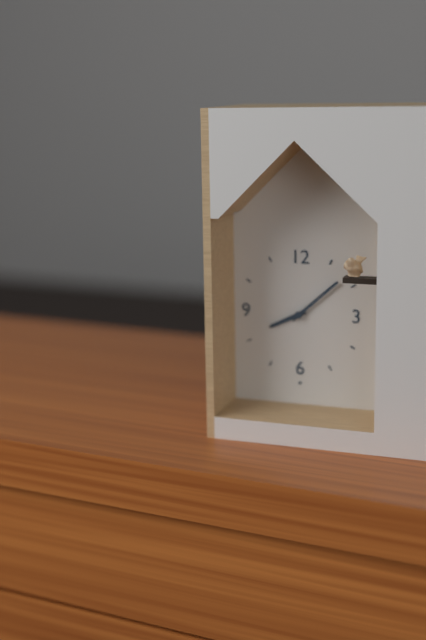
8:08
